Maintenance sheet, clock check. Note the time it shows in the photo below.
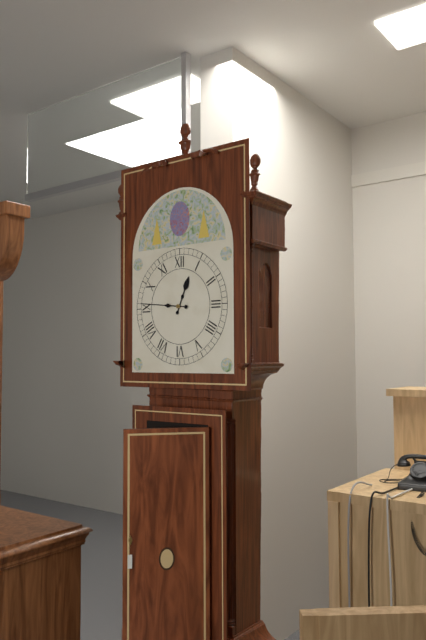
12:46
